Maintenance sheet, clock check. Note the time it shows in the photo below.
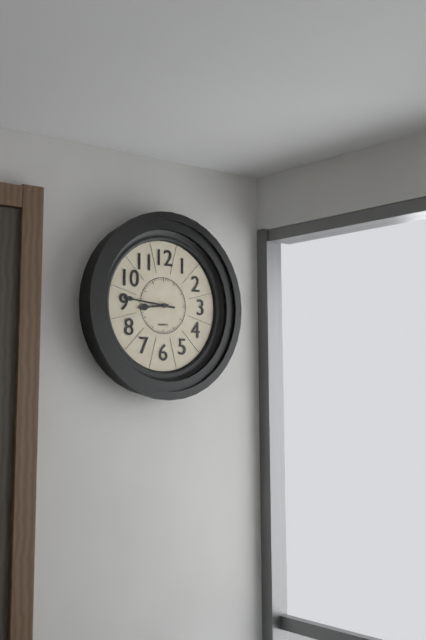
8:46
